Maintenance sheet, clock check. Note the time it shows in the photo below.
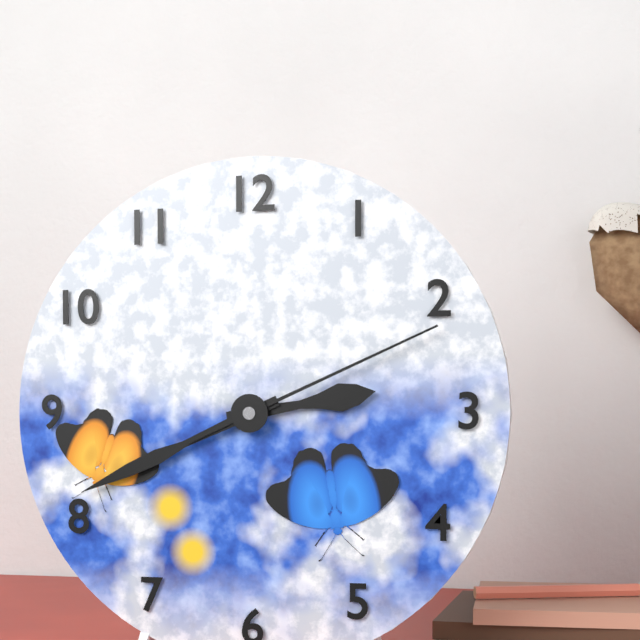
2:41:11
